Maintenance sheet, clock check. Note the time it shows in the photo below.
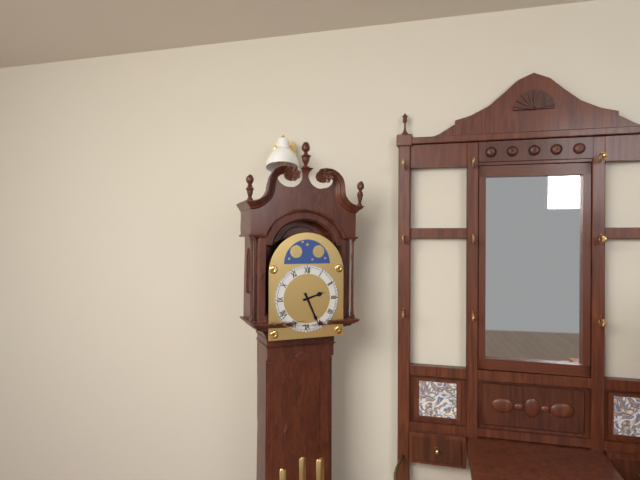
2:26
